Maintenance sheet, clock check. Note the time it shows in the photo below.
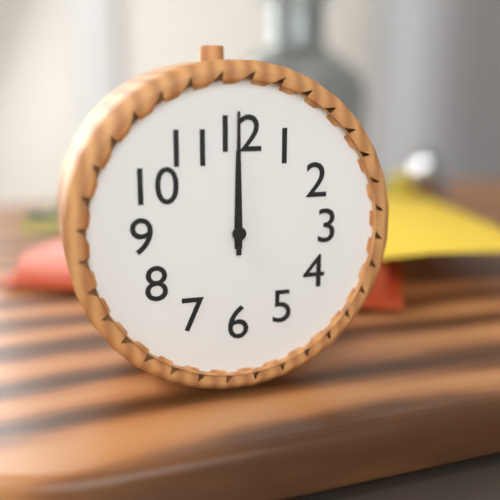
12:00
